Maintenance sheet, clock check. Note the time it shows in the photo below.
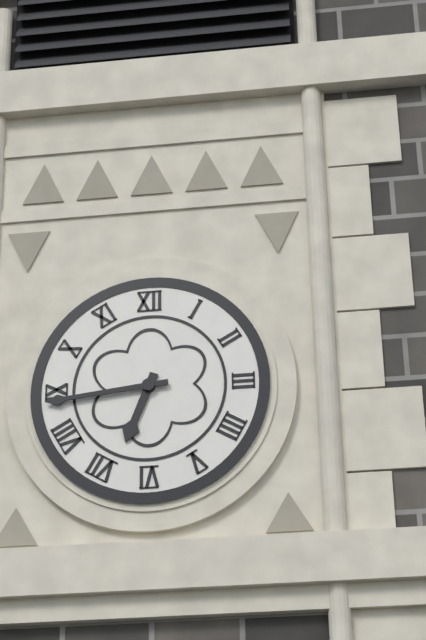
6:44
